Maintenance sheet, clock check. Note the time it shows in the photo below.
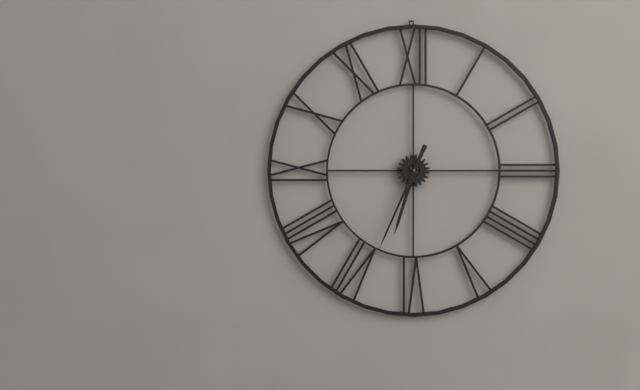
6:34
